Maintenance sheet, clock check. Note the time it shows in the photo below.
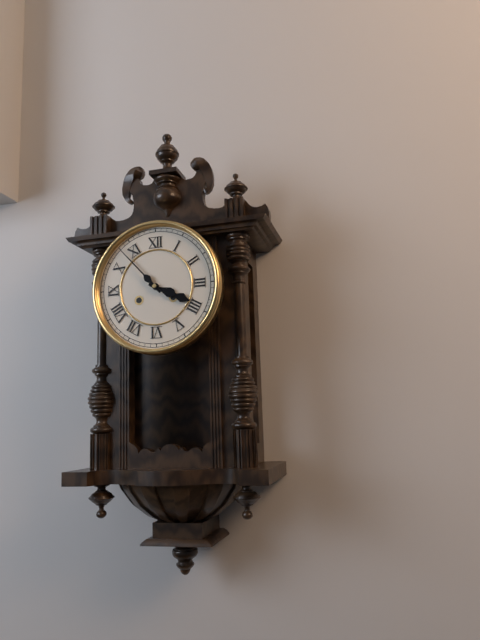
3:53
